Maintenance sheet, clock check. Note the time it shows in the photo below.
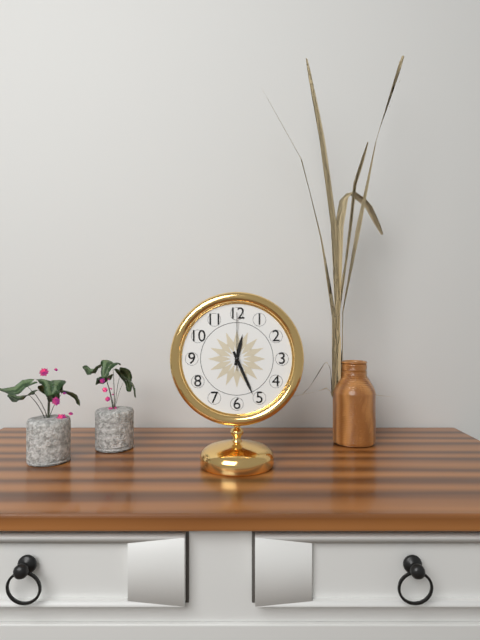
12:26:00
